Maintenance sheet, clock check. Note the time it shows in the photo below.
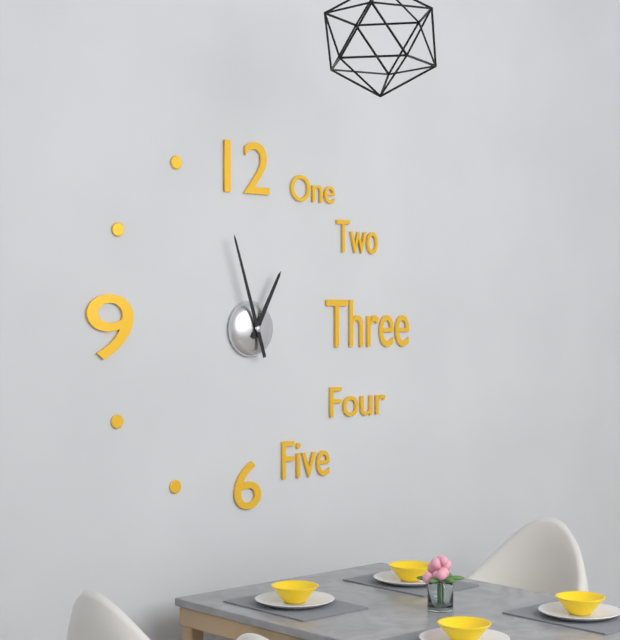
12:57
